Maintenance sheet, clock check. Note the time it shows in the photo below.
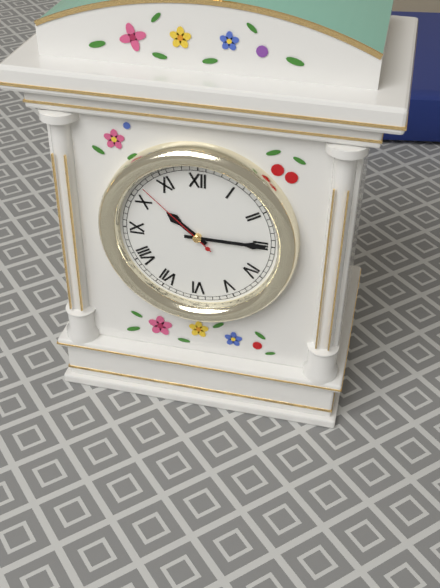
10:15:52
